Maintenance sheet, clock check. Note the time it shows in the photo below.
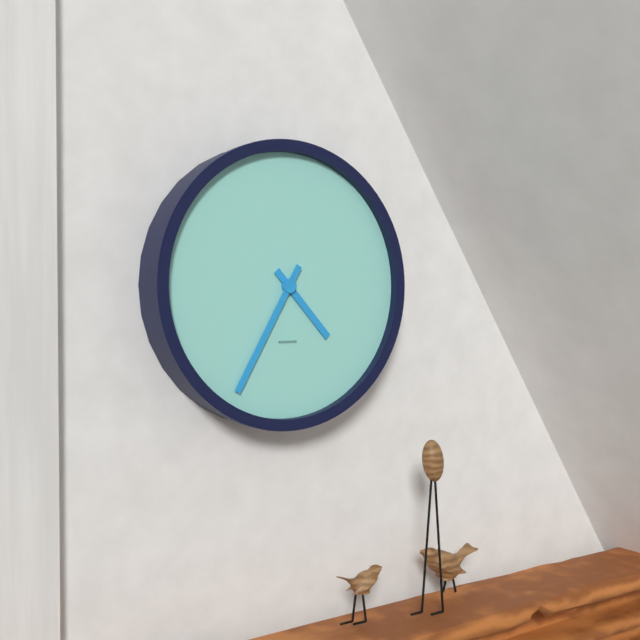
4:35
